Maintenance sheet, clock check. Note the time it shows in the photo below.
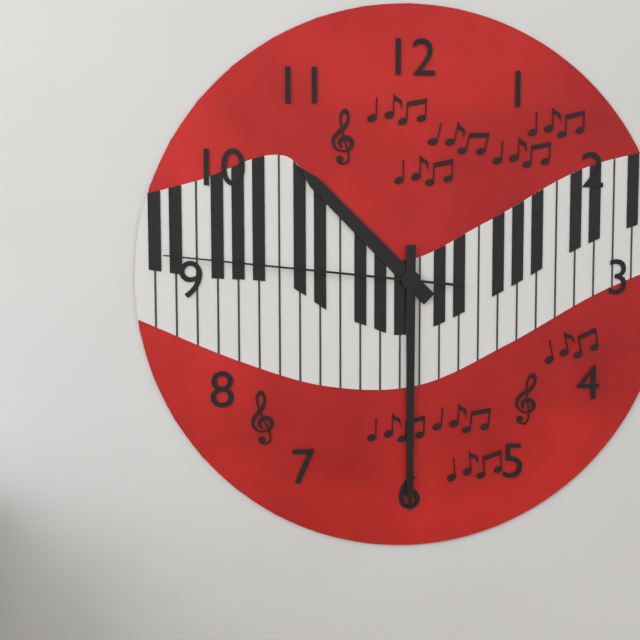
10:30:46
